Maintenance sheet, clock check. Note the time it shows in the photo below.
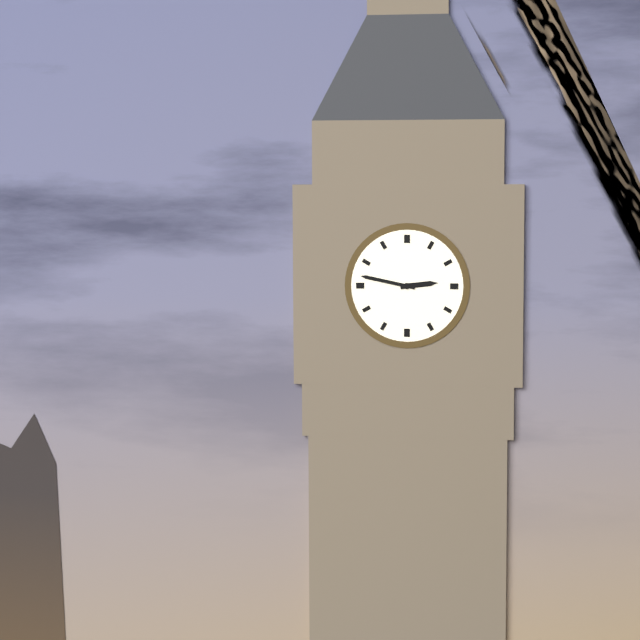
2:47
